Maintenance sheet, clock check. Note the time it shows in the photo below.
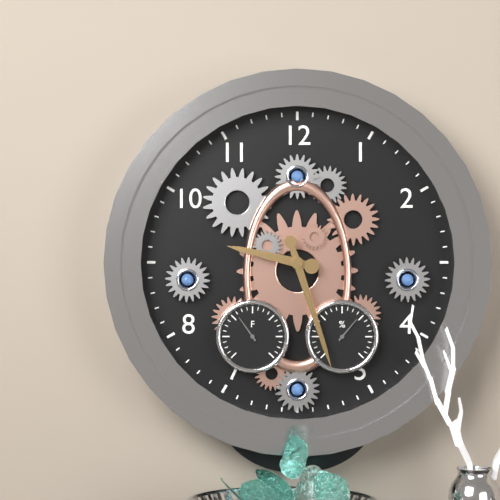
9:27
